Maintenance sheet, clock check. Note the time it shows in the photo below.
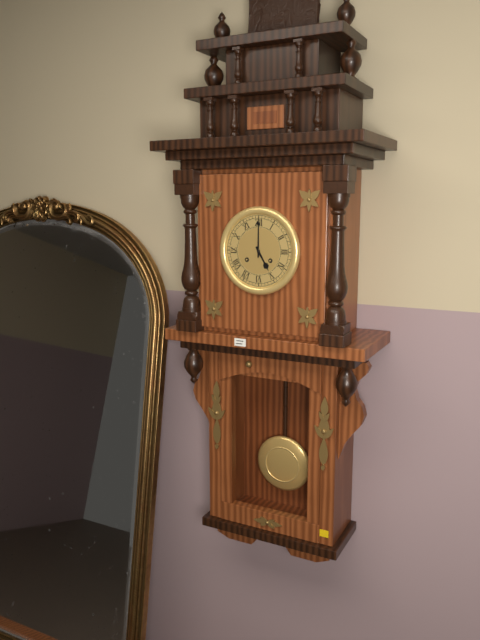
5:00
